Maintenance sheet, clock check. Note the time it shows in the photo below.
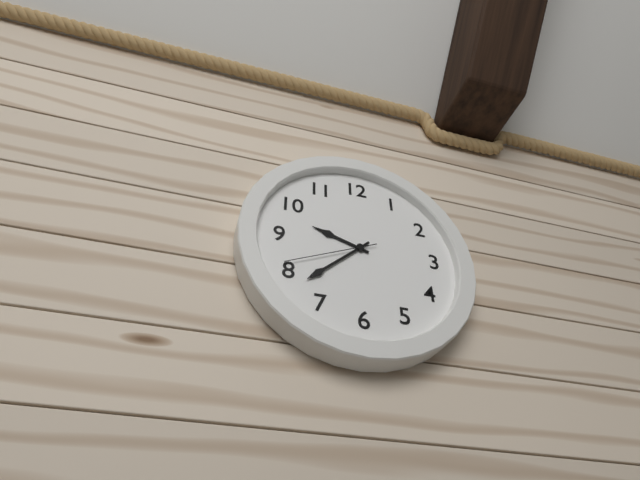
9:38:41
